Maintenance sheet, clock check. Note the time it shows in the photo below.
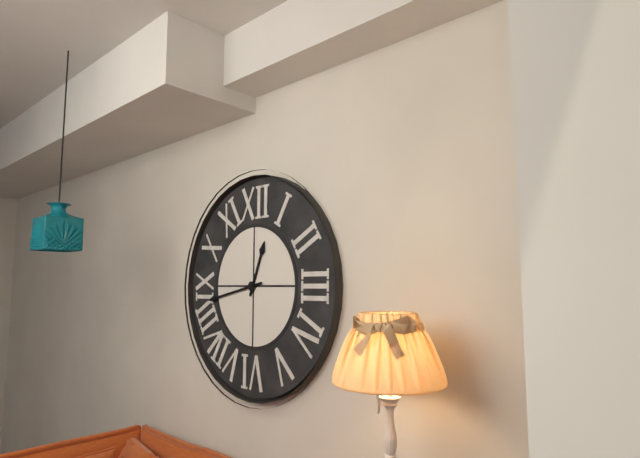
12:43
